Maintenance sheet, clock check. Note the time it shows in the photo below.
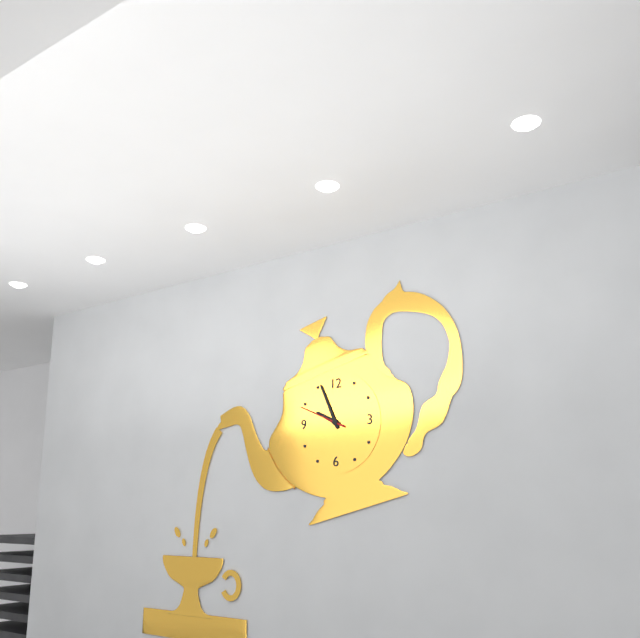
9:56
